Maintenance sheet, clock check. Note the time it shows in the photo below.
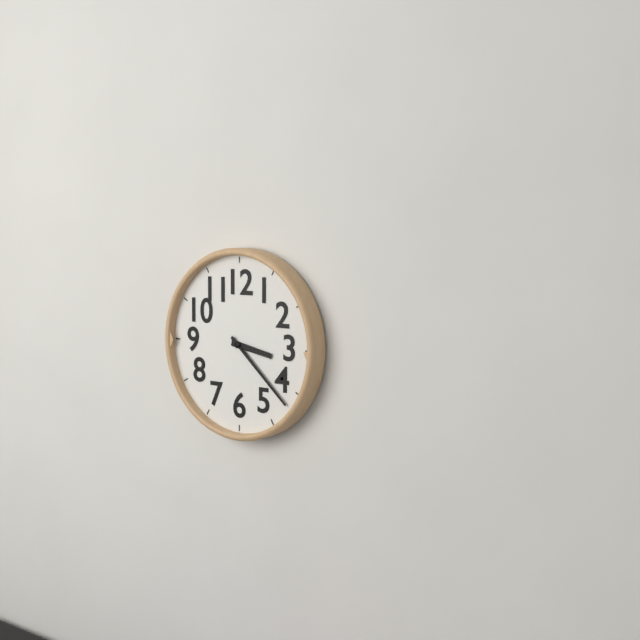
3:22
